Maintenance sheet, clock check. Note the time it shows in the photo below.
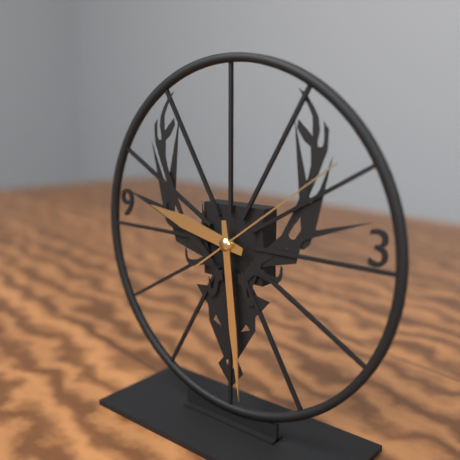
9:29:09
